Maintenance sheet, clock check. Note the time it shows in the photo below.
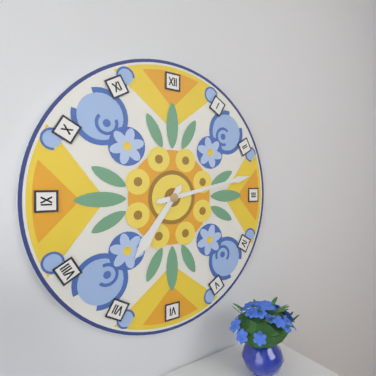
7:13
